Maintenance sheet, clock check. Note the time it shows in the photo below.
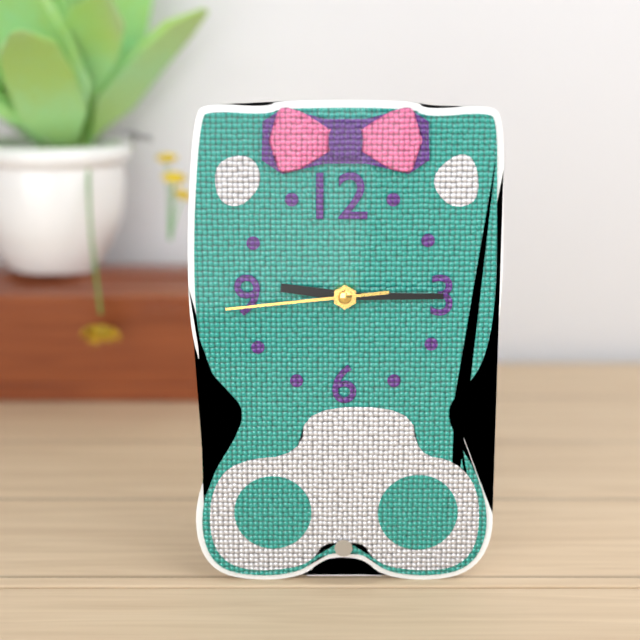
9:15:44
